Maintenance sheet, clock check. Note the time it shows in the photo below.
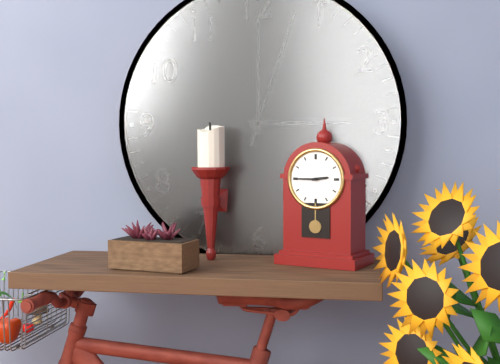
2:45
